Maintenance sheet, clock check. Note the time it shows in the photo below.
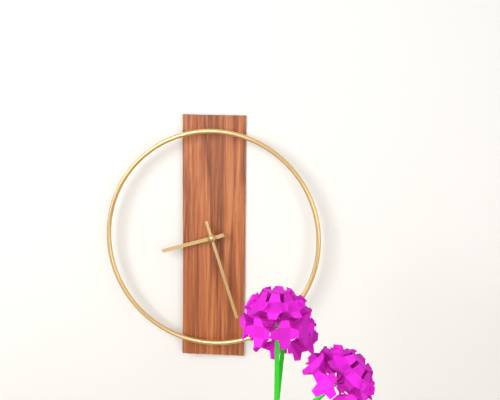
8:27
